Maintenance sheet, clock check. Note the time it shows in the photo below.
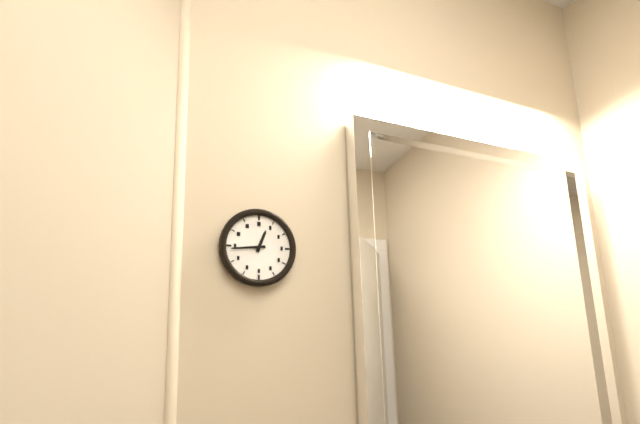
12:44
